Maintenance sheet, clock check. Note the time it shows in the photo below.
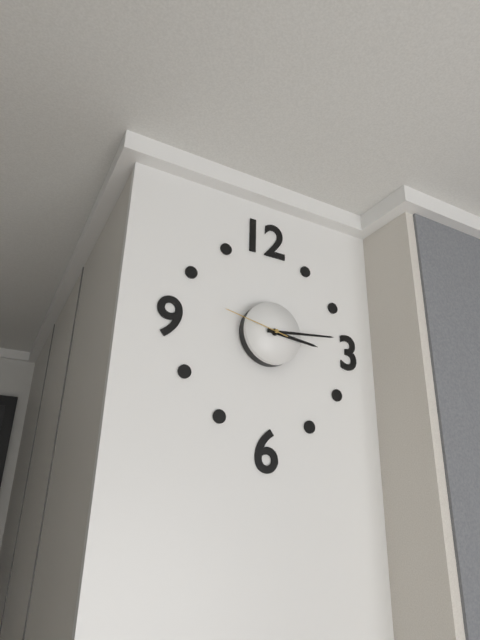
3:14:47
